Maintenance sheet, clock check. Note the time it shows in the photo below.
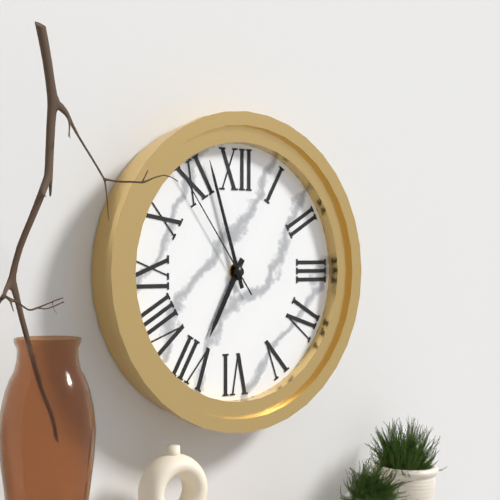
6:57:54
